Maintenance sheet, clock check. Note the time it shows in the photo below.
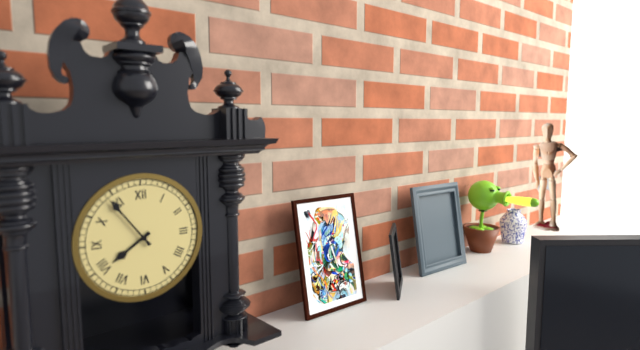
7:54
